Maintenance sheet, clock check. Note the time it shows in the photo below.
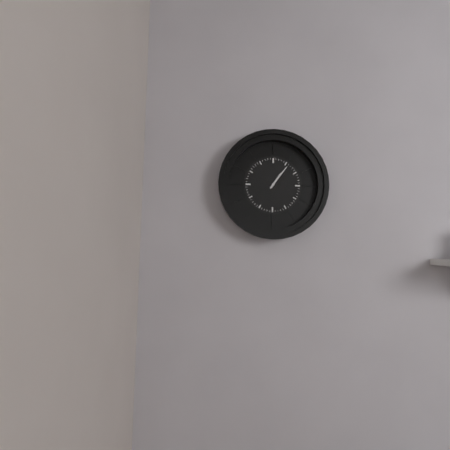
1:06
